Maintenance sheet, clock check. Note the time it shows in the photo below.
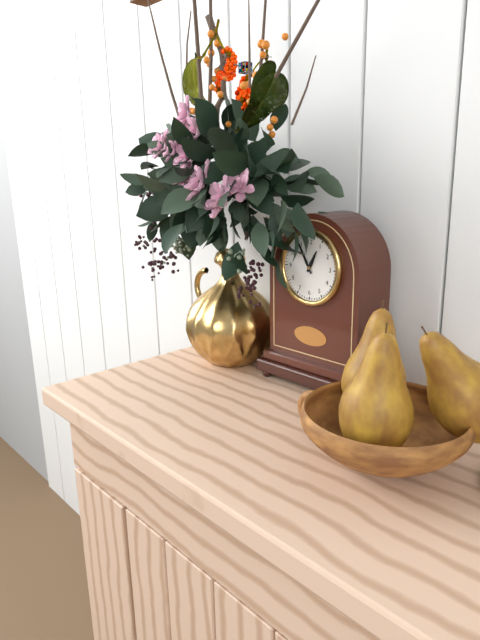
12:55
